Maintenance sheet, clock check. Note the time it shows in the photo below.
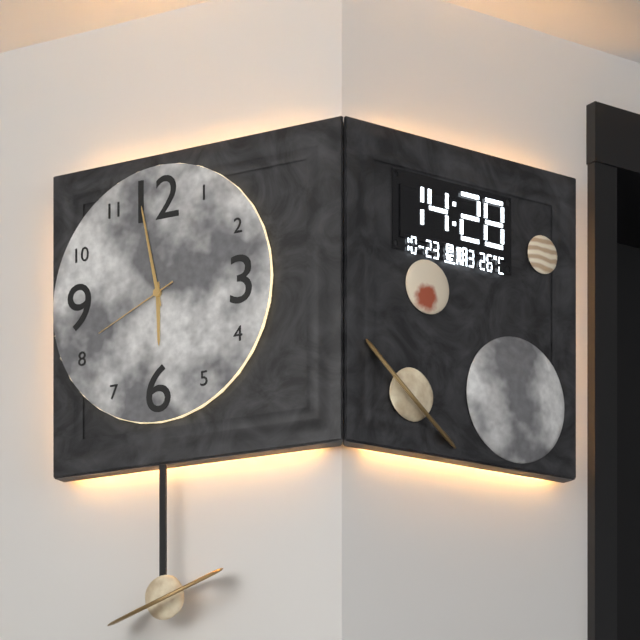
5:58:41
